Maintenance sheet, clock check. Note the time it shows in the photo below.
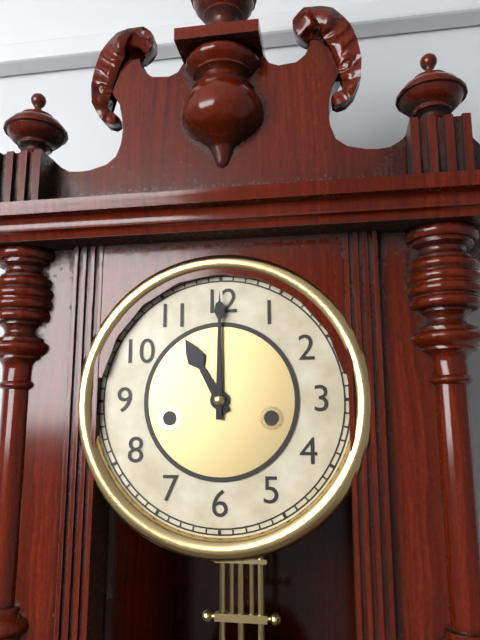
11:00
